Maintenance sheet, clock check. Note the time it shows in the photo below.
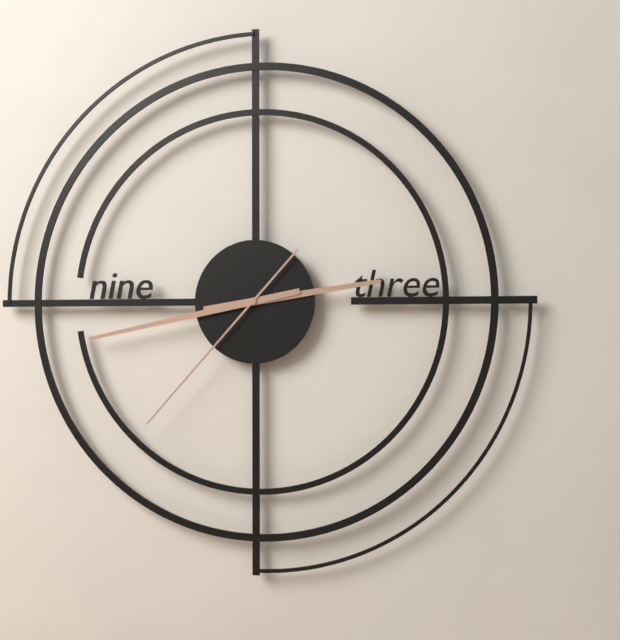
2:43:37
